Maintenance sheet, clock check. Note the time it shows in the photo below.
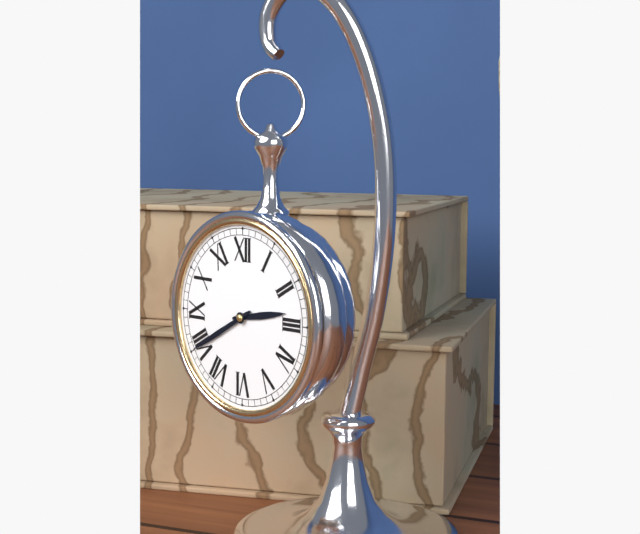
2:40
